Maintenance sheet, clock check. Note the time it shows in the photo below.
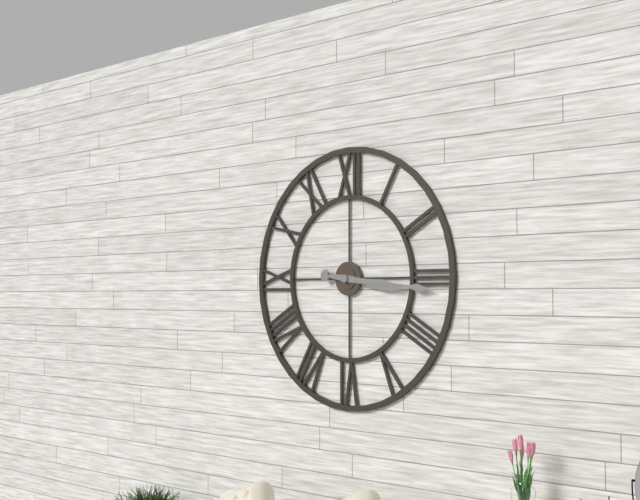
3:16
